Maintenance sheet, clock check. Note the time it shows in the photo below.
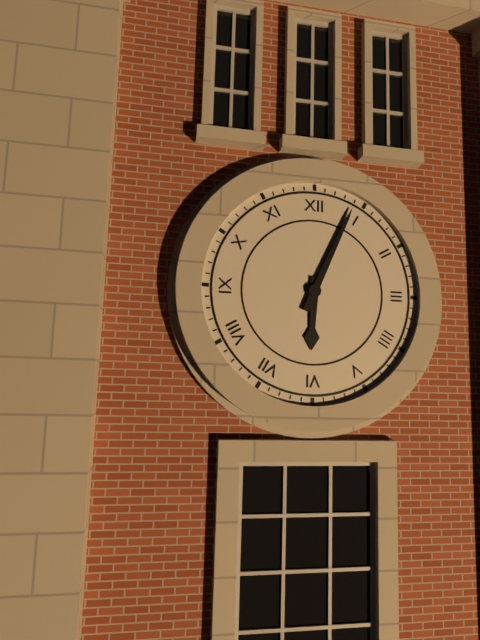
6:04
